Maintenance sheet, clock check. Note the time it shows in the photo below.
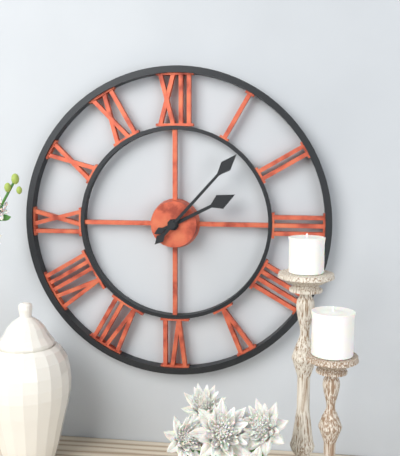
2:07
